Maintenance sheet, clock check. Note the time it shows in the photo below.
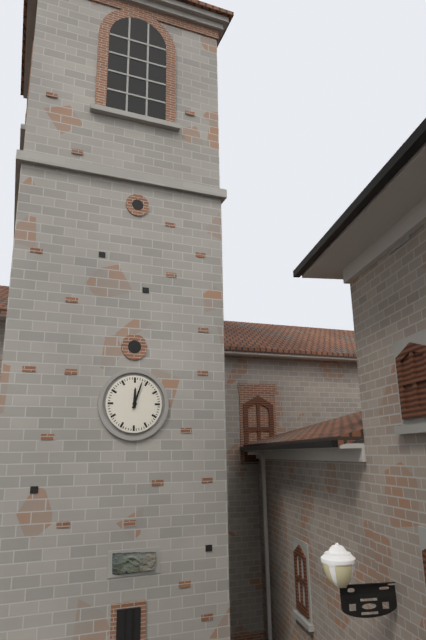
12:03
